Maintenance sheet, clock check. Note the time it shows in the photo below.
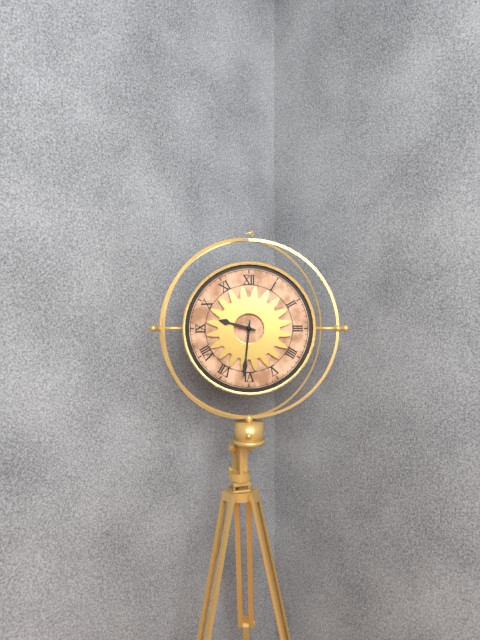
9:31
